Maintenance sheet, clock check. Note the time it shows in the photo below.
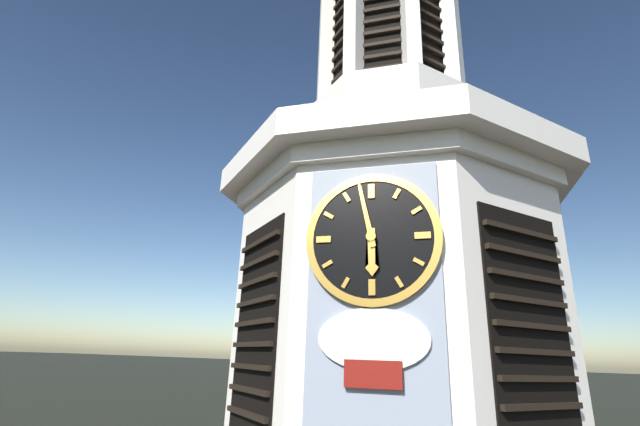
5:58
